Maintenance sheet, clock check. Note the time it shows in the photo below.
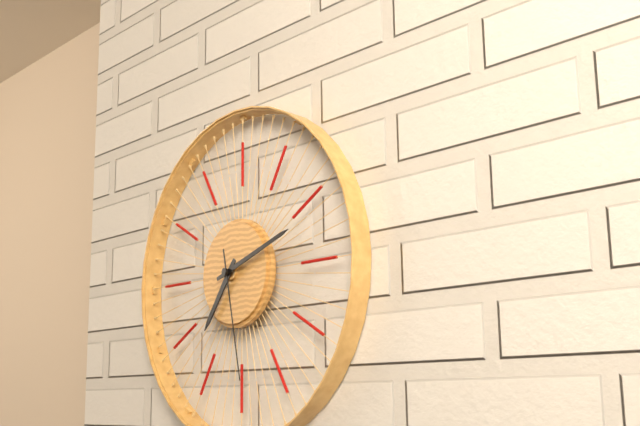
7:12:28
